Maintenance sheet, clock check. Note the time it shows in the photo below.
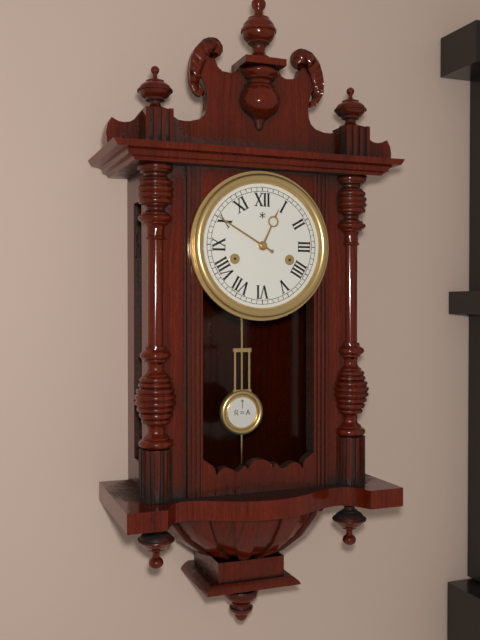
12:50
